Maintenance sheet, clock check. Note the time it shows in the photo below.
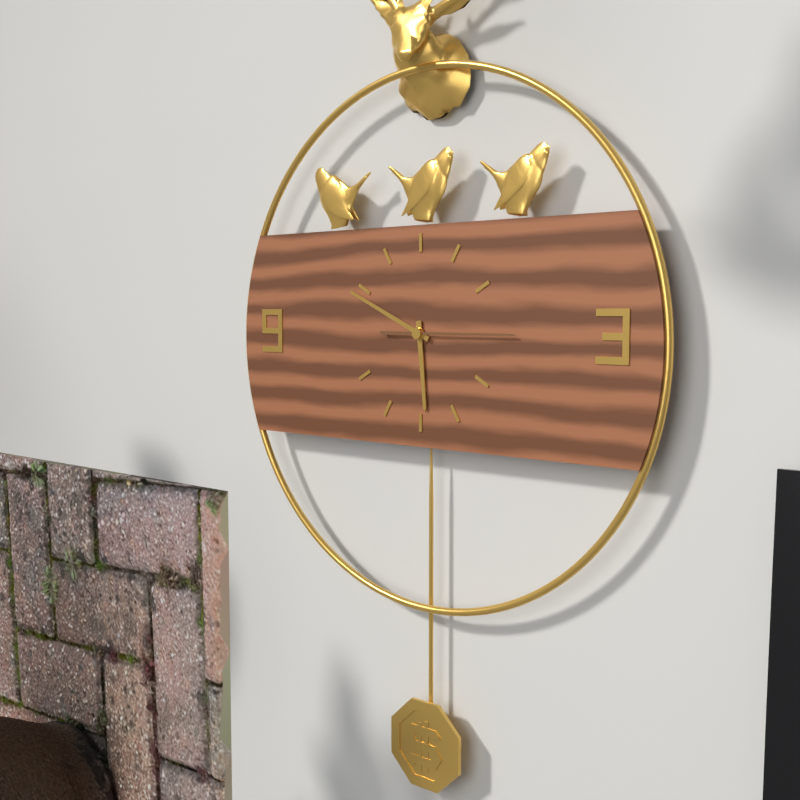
5:49:15
